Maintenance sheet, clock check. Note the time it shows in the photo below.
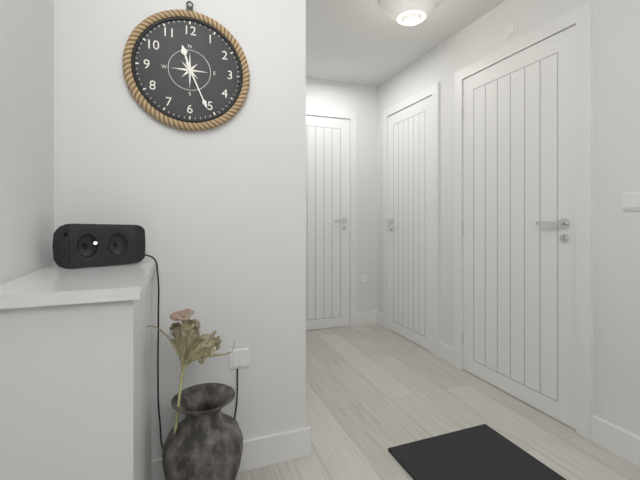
11:26
